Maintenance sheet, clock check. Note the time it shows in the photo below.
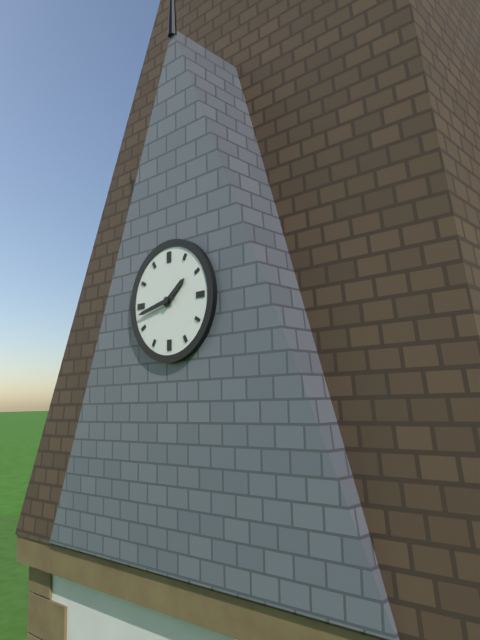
1:43
